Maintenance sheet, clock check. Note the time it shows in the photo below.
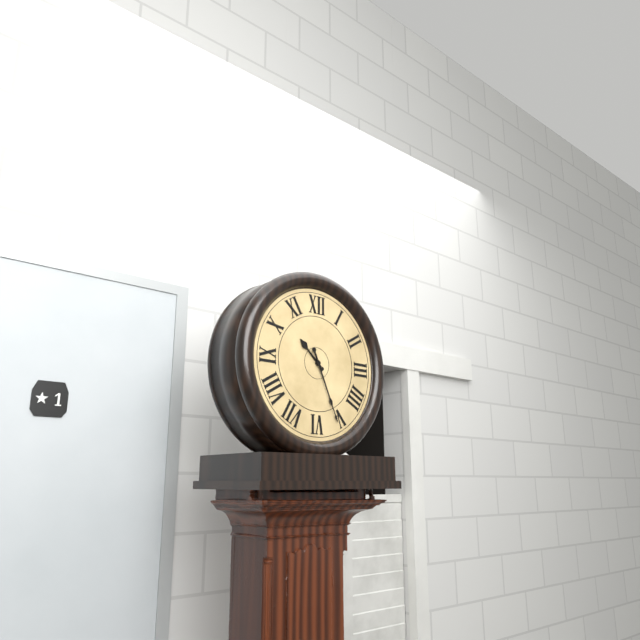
10:26
